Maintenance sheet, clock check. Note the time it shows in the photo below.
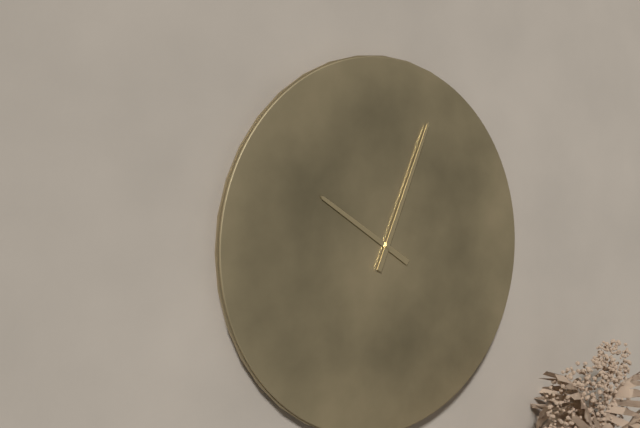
10:04
